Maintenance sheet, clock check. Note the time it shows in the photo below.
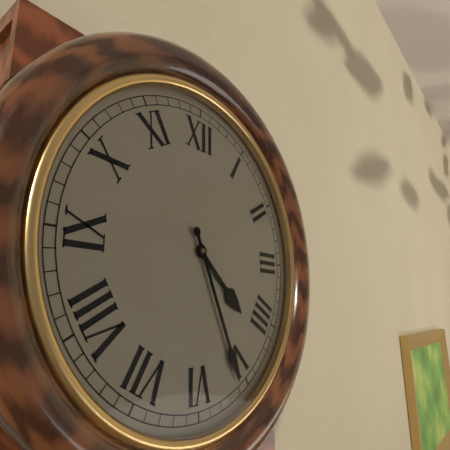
4:26
